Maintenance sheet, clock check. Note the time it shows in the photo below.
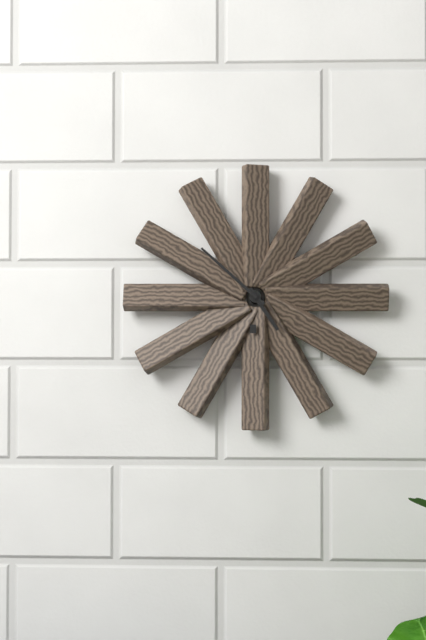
4:52
